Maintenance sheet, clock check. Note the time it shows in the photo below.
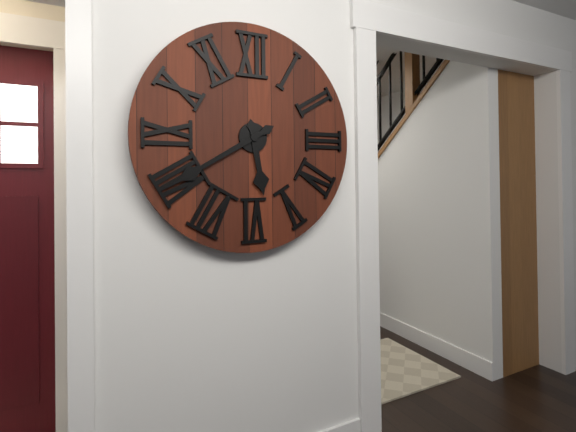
5:40
